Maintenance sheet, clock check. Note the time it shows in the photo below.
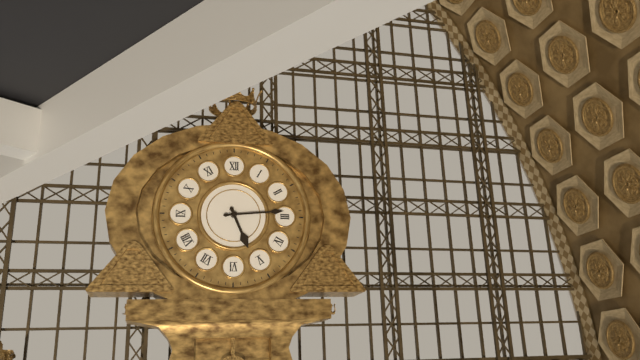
5:14
